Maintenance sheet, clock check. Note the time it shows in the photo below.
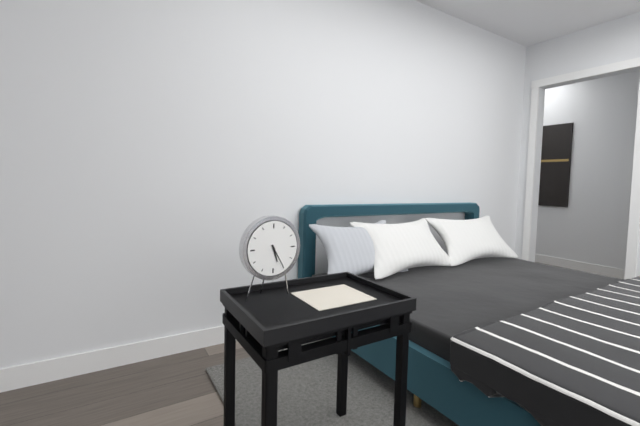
5:25
